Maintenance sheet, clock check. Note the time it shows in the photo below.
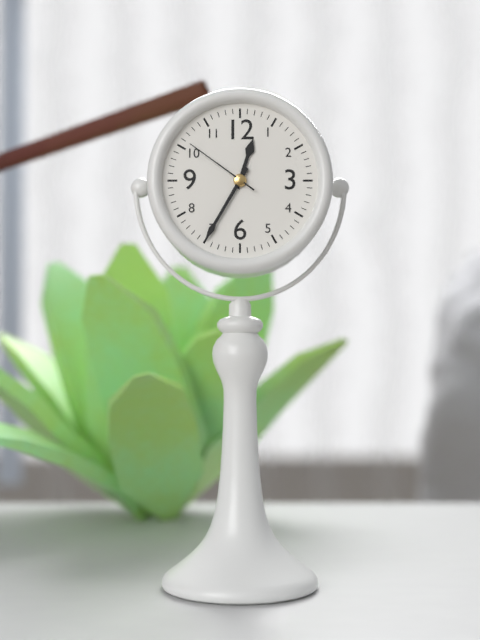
12:35:51
